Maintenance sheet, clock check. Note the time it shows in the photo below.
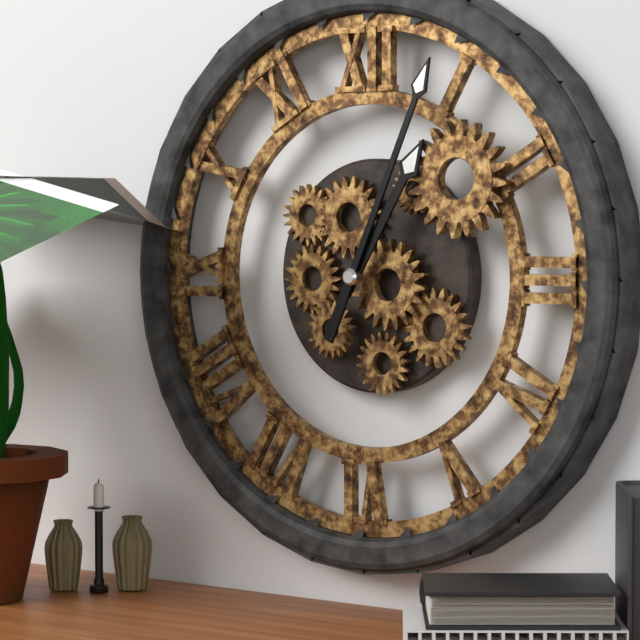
1:04
